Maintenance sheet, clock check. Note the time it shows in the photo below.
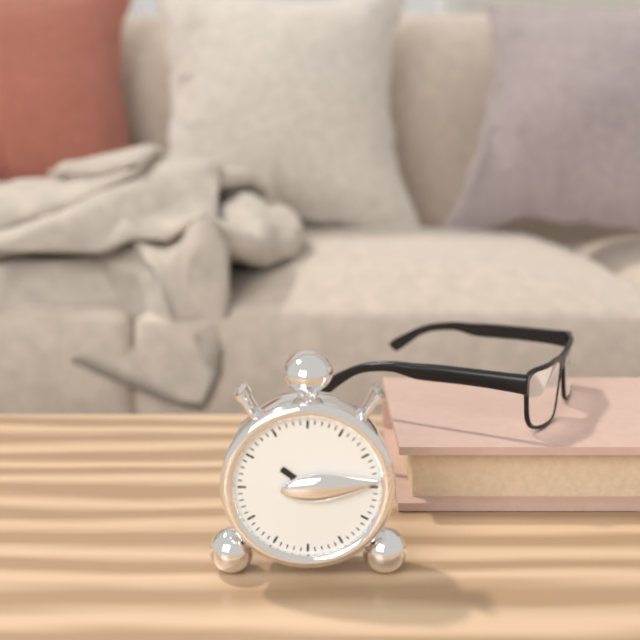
10:14
